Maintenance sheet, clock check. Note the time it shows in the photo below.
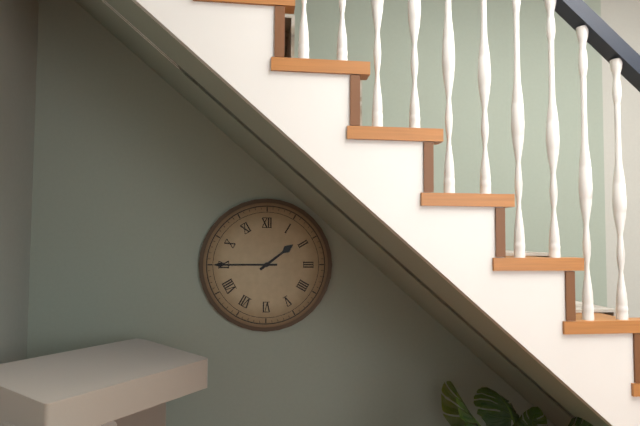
1:45
